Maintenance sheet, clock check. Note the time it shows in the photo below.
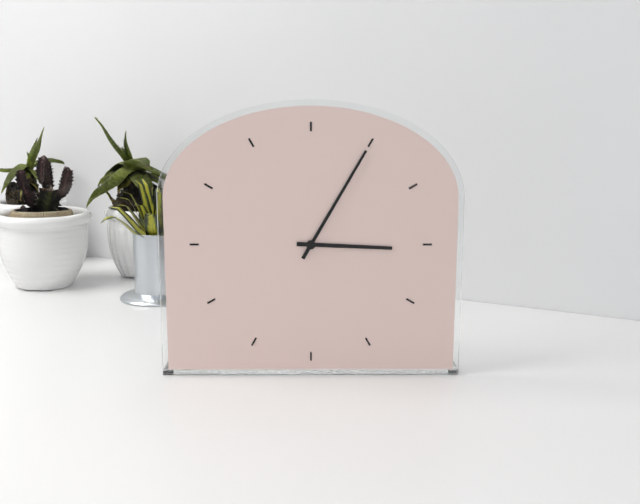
3:05
